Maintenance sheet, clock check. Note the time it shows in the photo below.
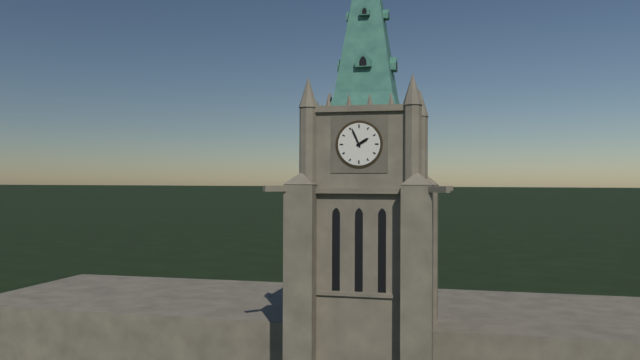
1:56
